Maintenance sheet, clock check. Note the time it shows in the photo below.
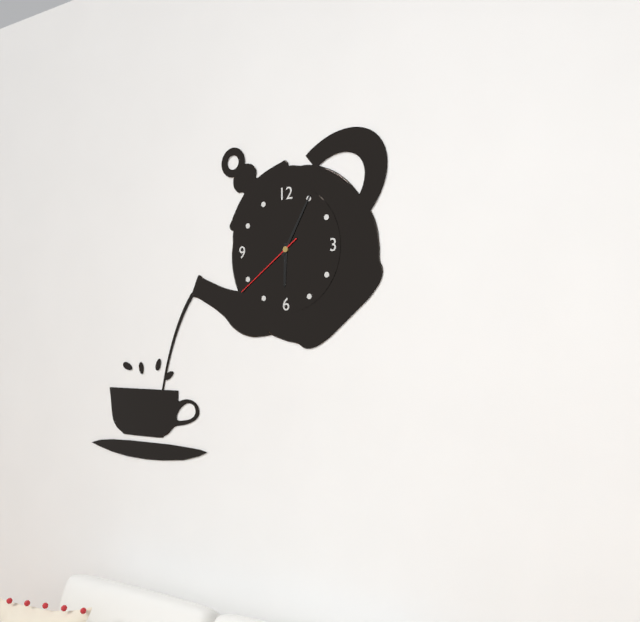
6:05:39
